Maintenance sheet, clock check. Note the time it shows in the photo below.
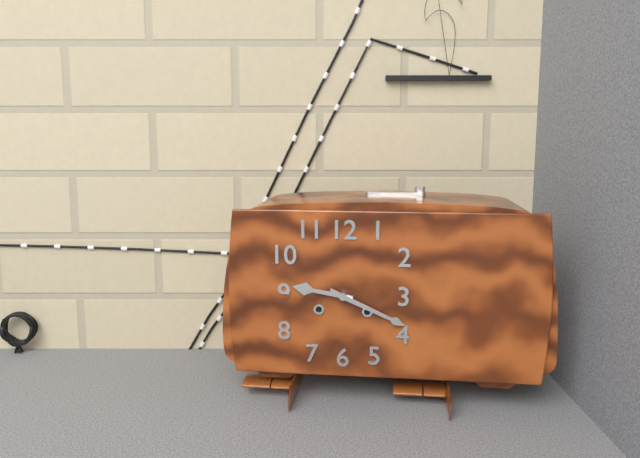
9:19
